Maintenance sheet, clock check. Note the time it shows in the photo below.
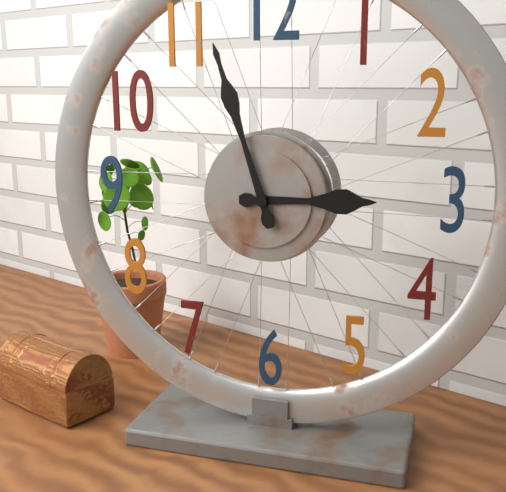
2:57
